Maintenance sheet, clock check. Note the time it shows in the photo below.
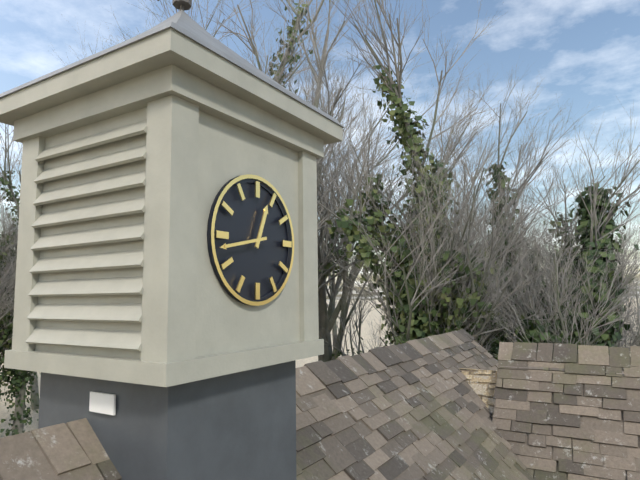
12:43
